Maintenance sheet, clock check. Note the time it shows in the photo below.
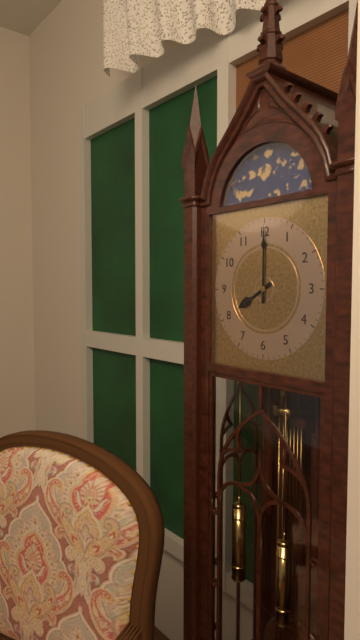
8:00
